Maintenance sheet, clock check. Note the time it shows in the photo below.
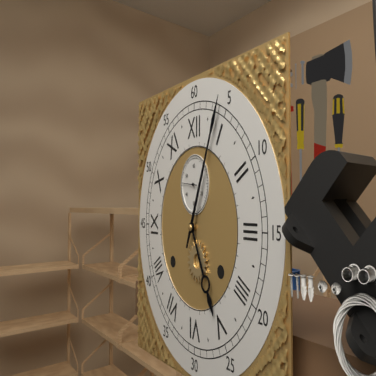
5:04
